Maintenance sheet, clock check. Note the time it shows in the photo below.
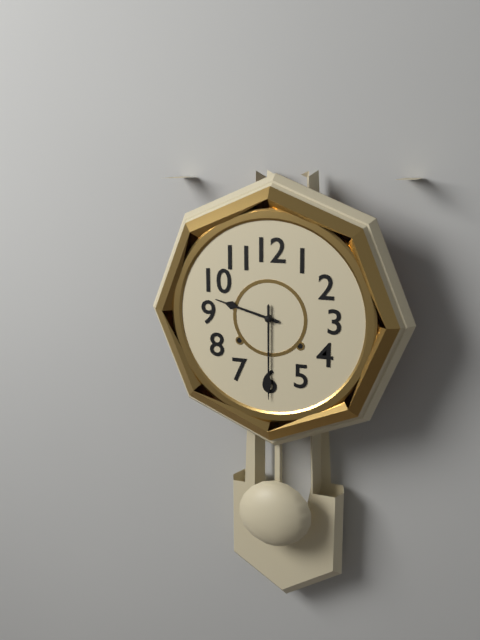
9:30
